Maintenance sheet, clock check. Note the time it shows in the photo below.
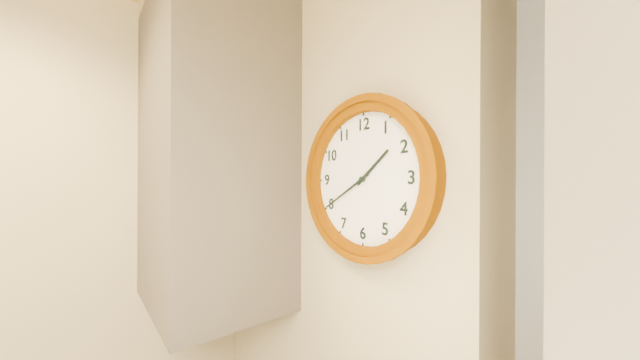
1:40
